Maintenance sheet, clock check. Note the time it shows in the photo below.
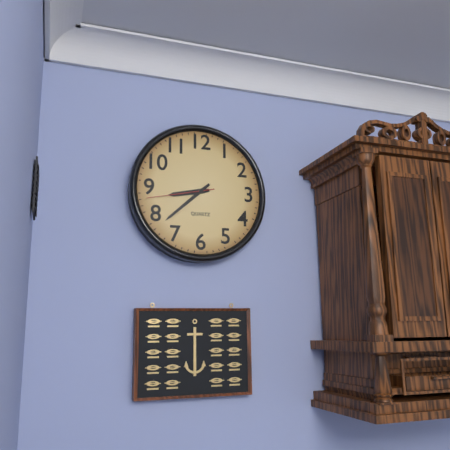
8:38:43
